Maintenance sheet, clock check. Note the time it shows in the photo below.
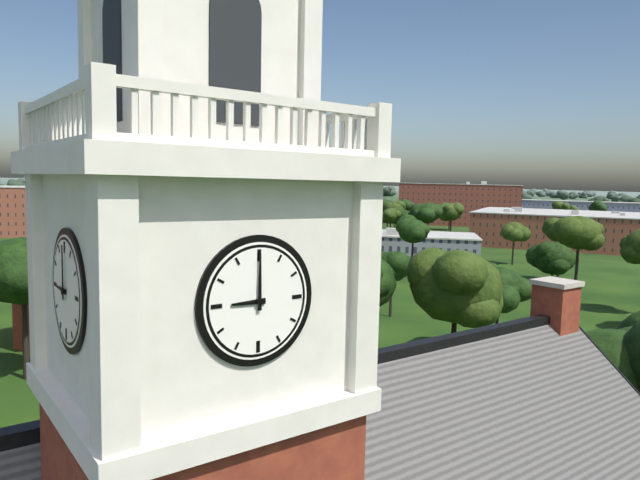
9:00
